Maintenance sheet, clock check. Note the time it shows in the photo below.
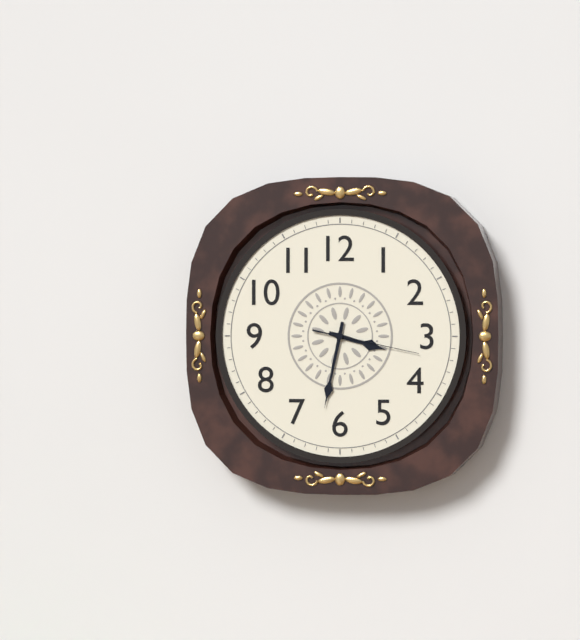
3:32:17
